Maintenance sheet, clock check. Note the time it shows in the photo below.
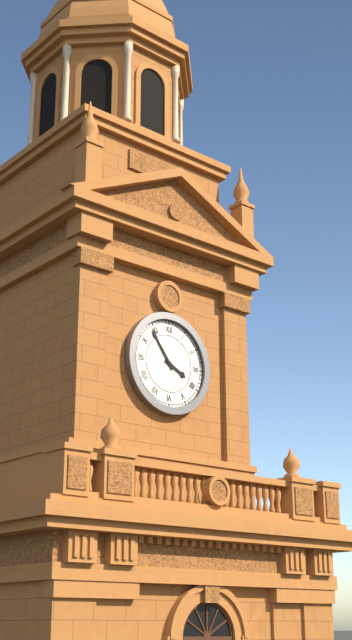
3:54
